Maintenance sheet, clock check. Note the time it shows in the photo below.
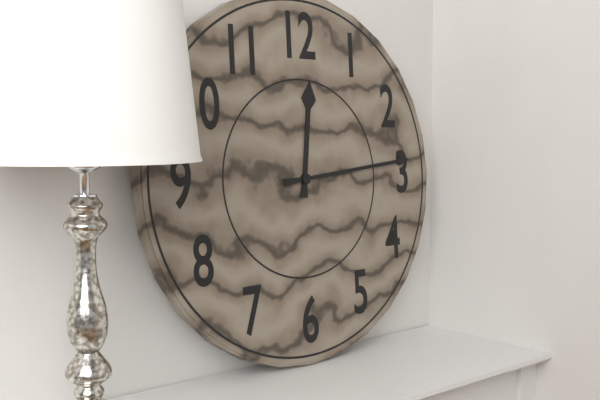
12:14
